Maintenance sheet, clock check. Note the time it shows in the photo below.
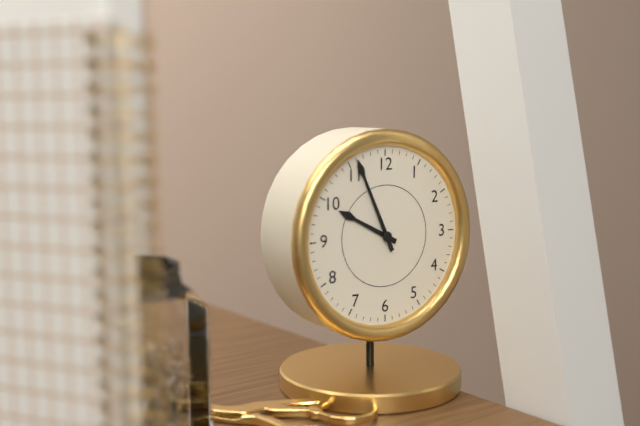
9:56
